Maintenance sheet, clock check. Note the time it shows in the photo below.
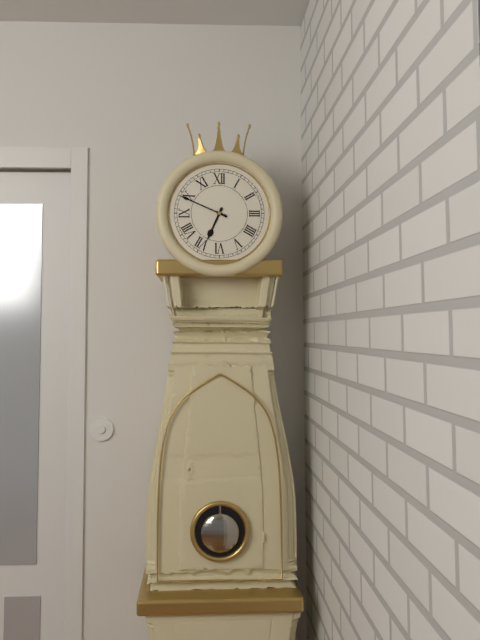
6:49
